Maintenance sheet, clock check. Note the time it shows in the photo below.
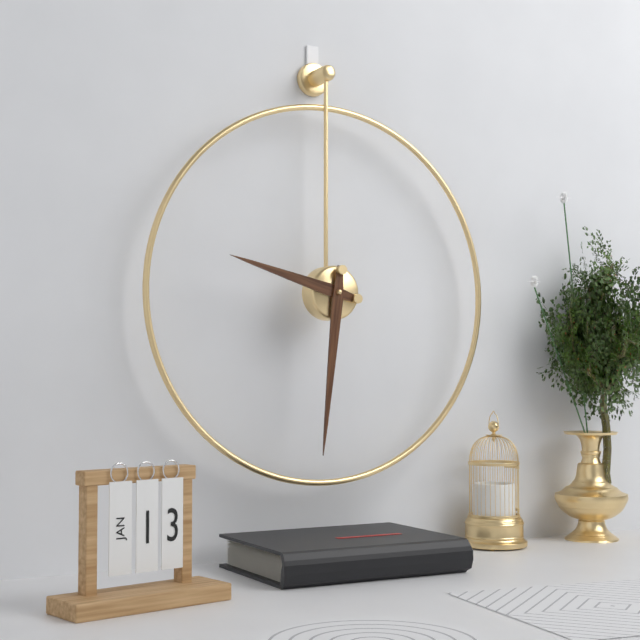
9:31
